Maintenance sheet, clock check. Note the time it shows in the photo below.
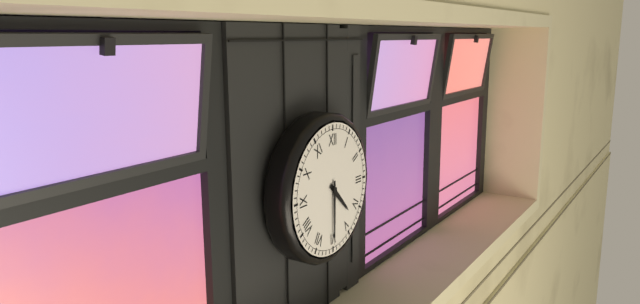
4:30
